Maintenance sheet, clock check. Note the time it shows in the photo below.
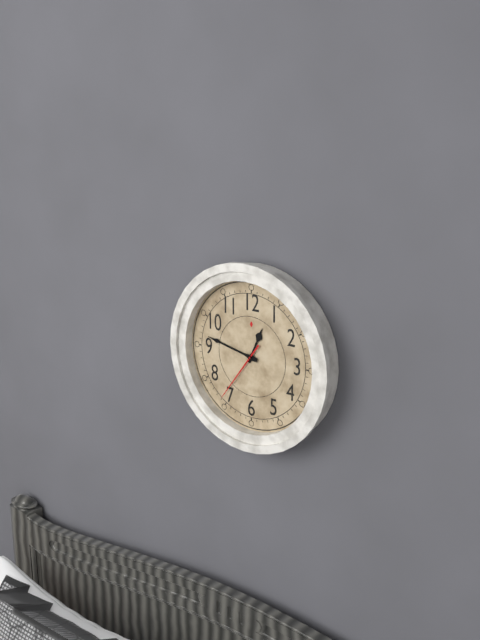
12:47:36
